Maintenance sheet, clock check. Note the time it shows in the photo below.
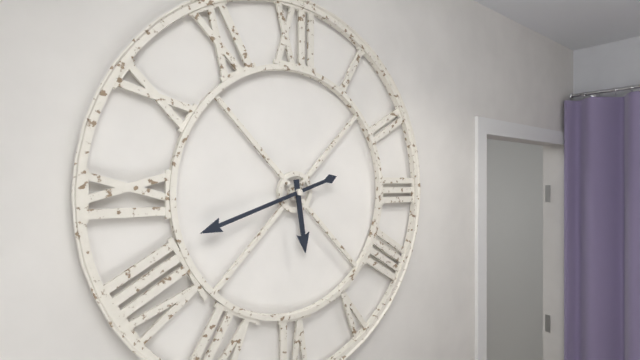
5:42
